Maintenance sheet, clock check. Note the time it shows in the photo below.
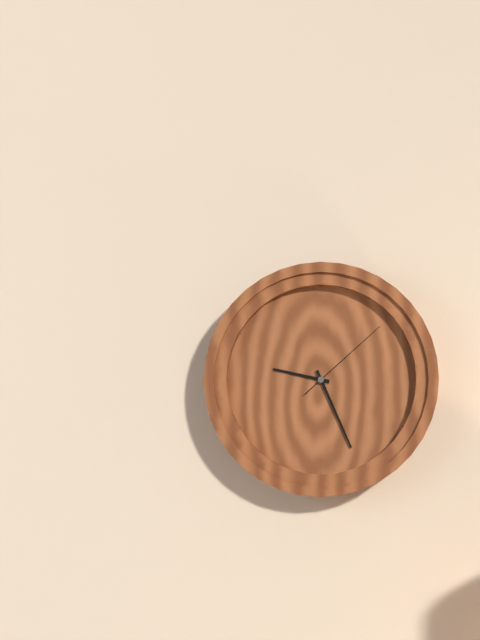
9:26:08
